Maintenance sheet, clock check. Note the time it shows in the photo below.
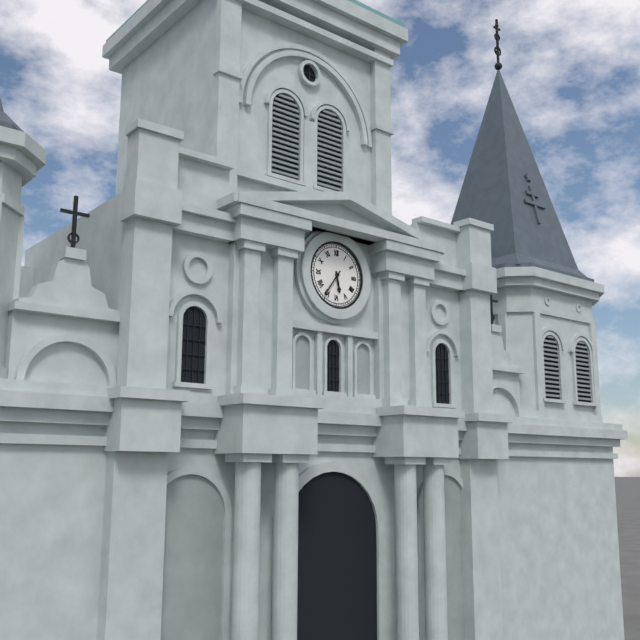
5:36
